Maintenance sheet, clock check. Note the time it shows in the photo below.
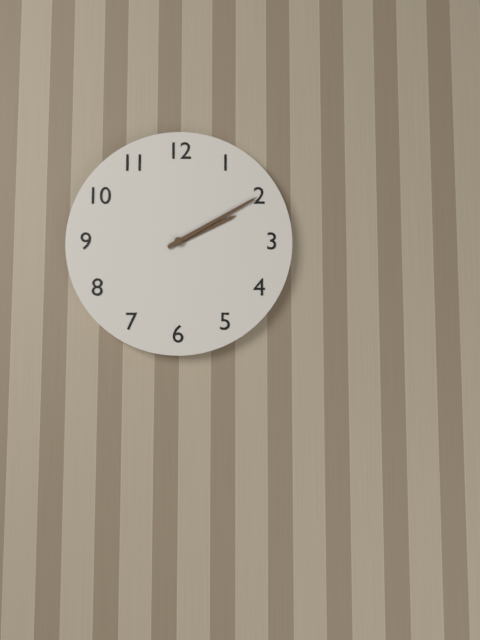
2:10
